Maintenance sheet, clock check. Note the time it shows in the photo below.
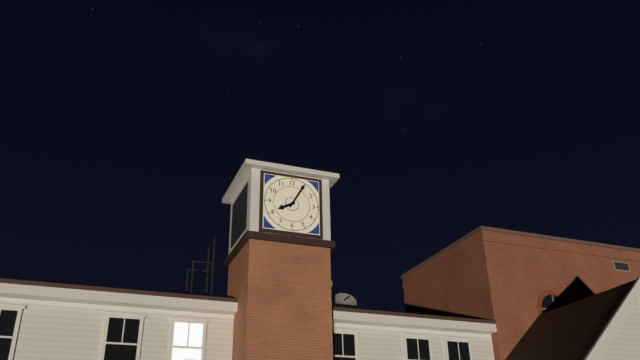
8:05
